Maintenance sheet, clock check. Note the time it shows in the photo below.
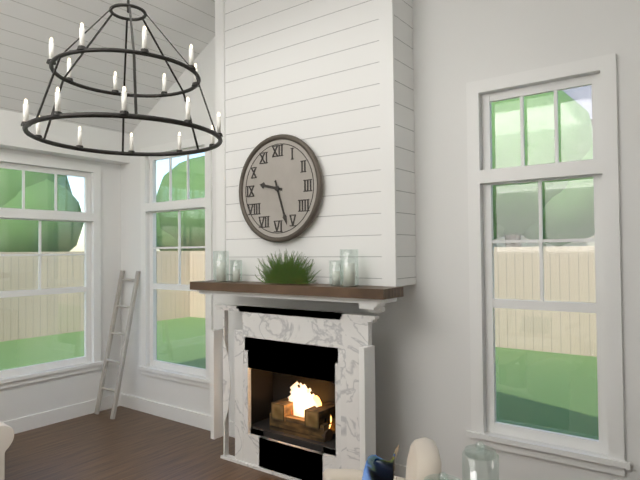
9:27
